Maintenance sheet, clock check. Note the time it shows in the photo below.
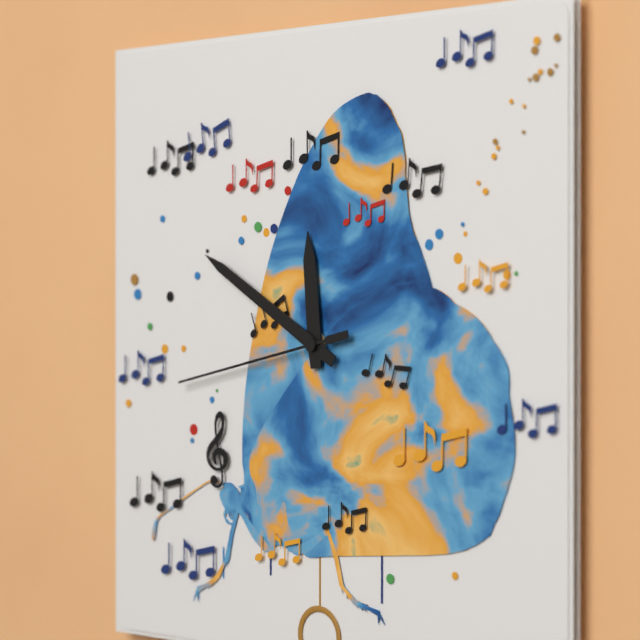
11:50:43
